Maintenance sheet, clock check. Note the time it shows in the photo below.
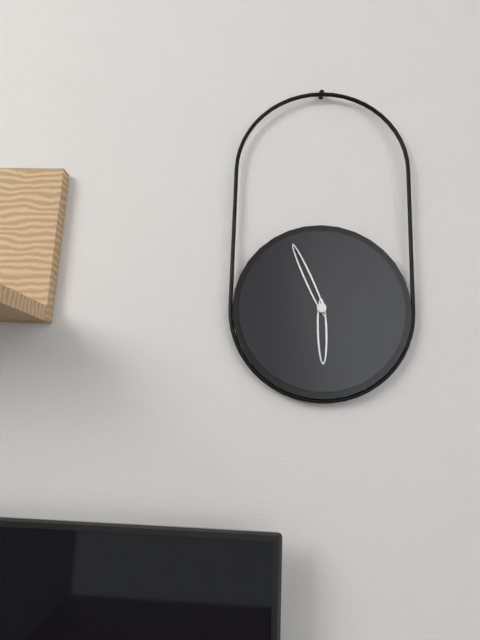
5:56
